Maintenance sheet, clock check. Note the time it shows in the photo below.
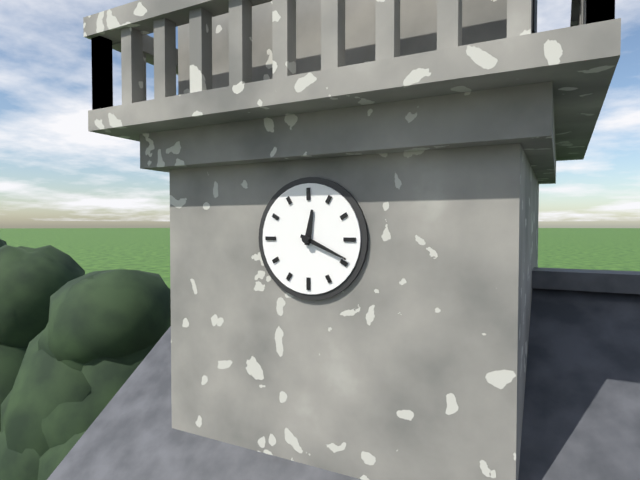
12:19
